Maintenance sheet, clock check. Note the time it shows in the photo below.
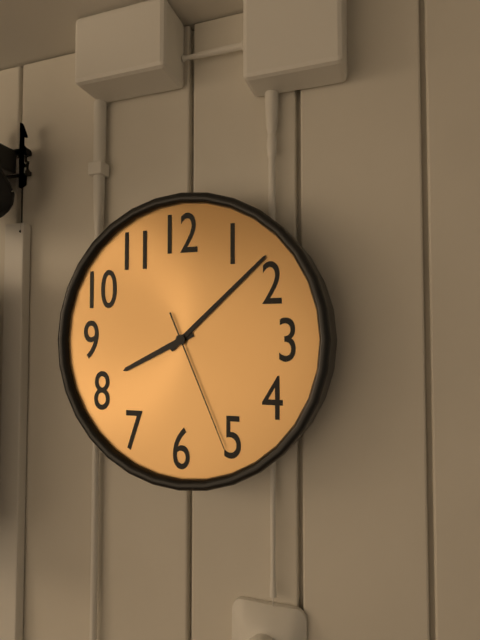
8:08:26
